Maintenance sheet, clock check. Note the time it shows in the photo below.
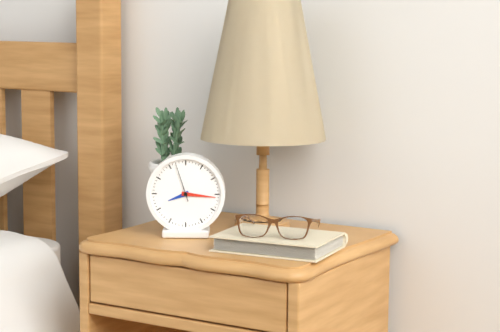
8:16
